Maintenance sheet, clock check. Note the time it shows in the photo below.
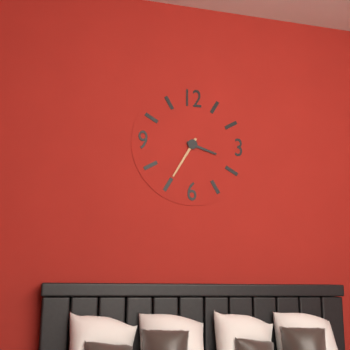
3:35
